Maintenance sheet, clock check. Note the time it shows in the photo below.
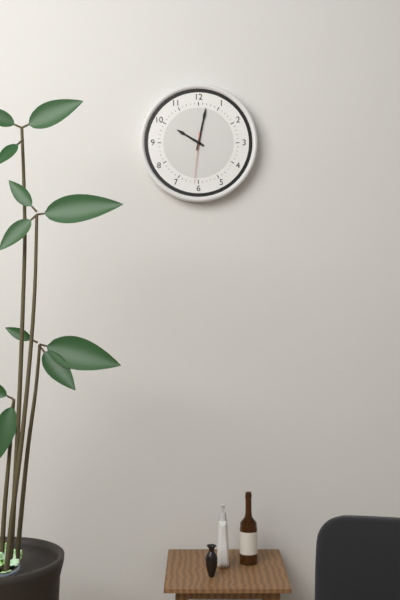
10:02:31
